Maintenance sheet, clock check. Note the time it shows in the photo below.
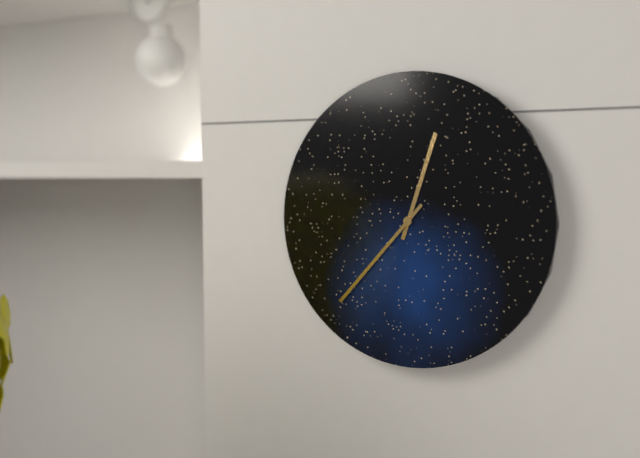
12:37
